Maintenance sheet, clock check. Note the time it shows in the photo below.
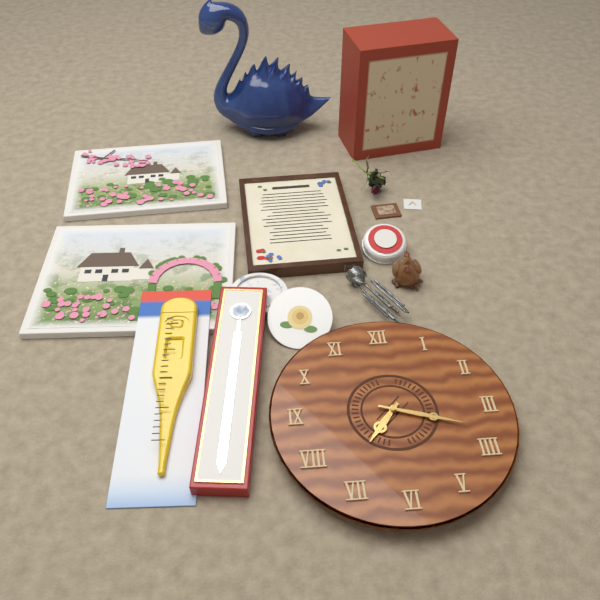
7:18
